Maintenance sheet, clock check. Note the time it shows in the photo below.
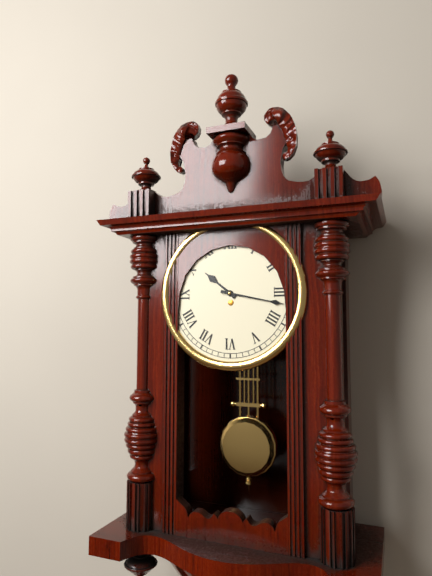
10:17
